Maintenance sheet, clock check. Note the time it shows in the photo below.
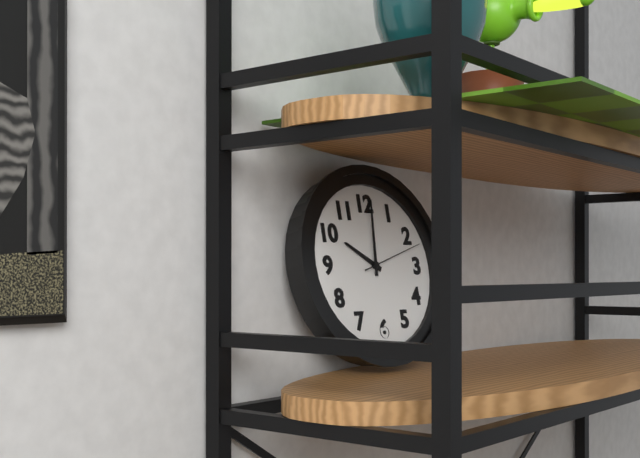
10:01:12
